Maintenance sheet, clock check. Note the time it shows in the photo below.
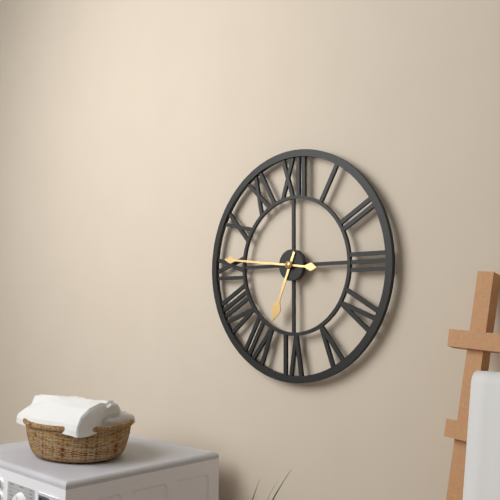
6:46
